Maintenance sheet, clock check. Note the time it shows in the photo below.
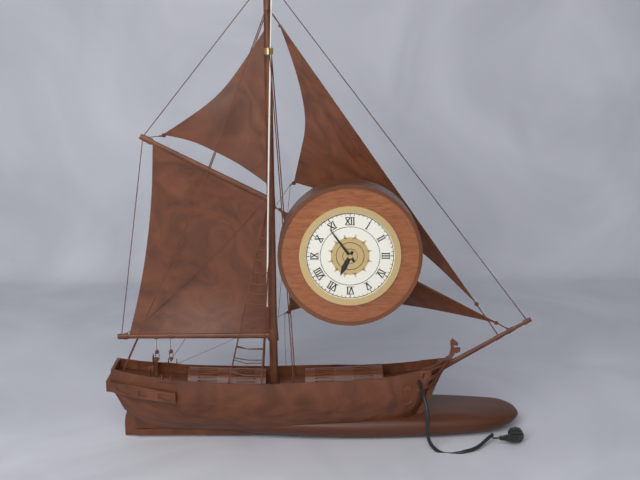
6:54
